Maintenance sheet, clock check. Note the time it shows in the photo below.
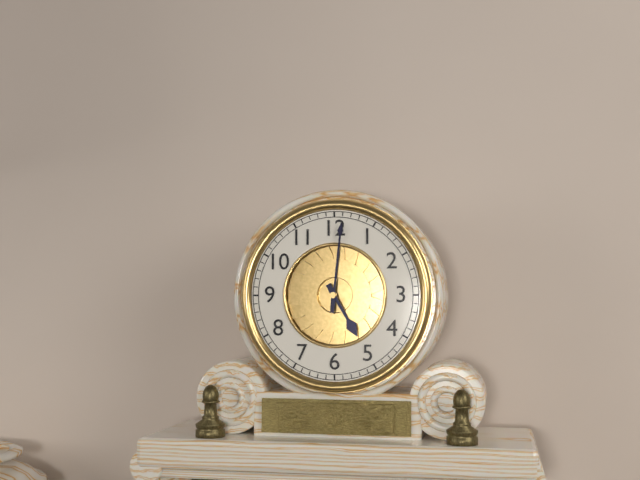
5:01
